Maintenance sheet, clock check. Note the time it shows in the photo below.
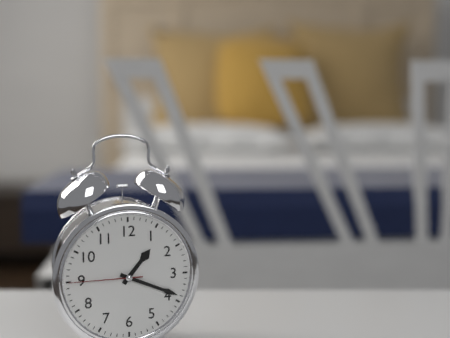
1:19:45
